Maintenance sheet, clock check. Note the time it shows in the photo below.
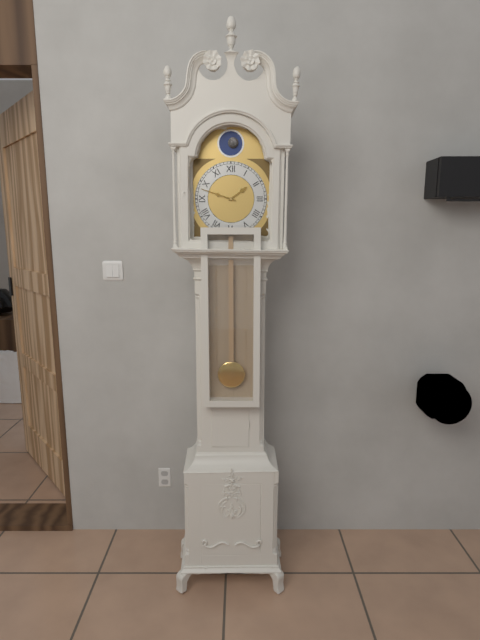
1:48
